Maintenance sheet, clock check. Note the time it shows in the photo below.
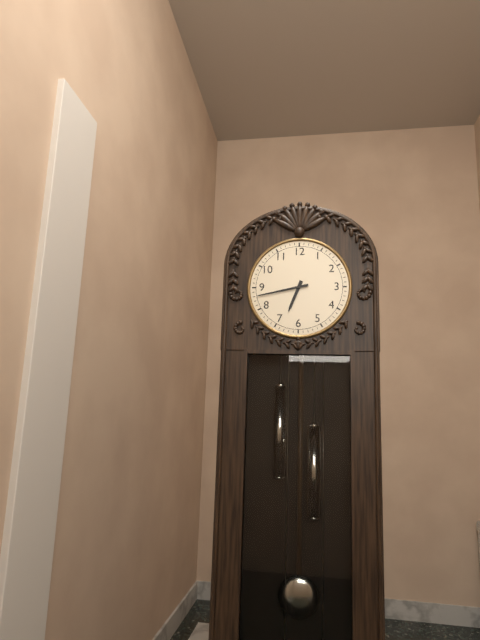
6:43
